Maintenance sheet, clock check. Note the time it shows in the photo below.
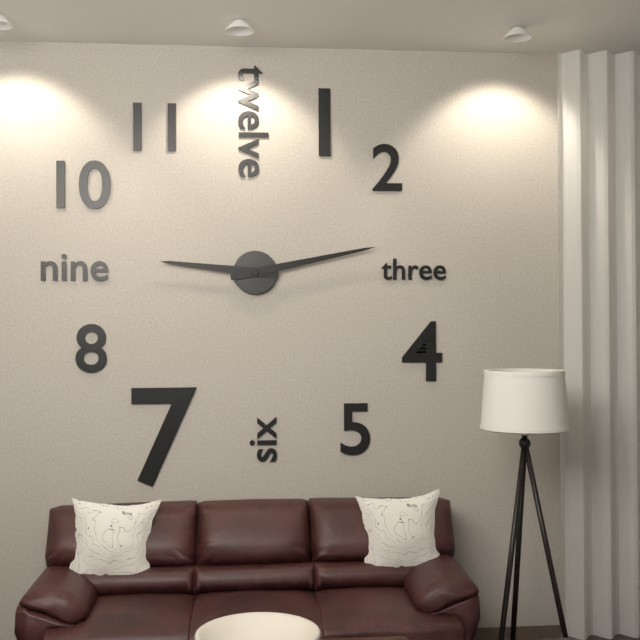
9:13
